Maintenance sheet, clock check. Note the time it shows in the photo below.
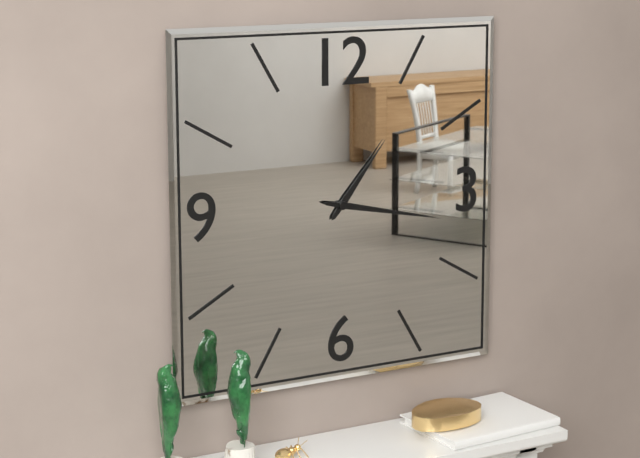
1:17
